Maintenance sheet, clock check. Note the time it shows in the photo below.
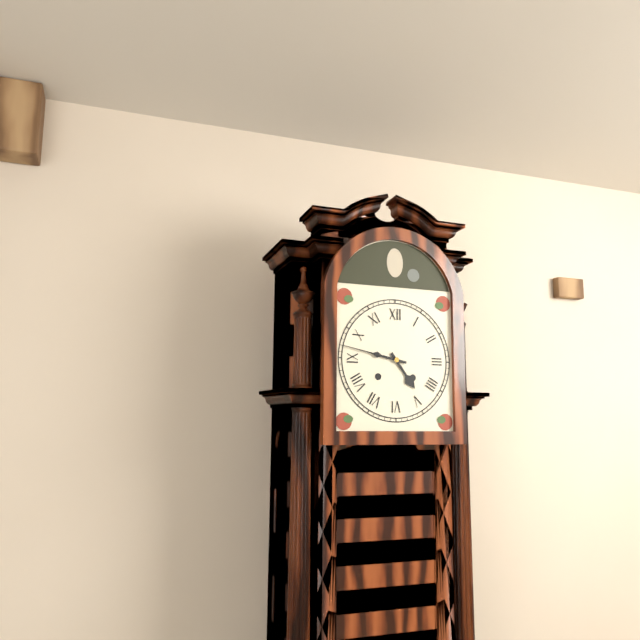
4:47
